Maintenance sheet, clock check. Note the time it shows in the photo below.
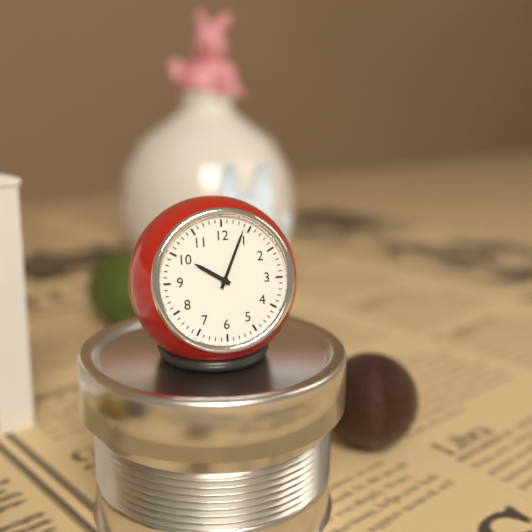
10:04
